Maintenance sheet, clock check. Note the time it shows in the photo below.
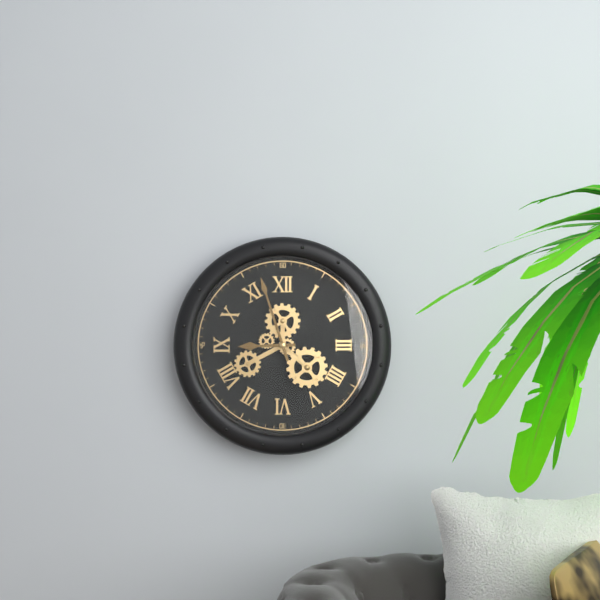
8:57
